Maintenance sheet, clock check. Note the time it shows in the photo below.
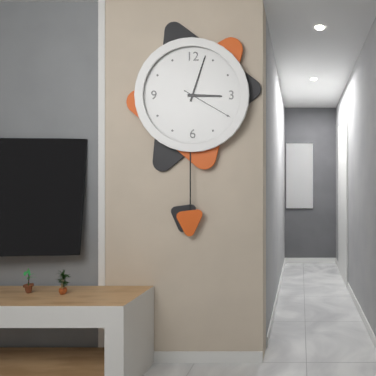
3:03:20
